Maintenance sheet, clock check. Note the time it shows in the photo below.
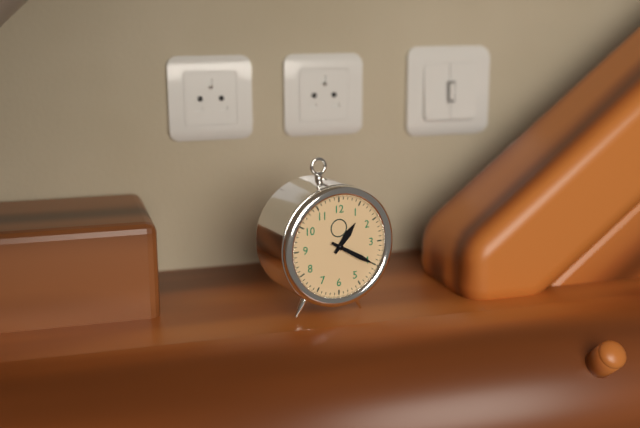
1:20
